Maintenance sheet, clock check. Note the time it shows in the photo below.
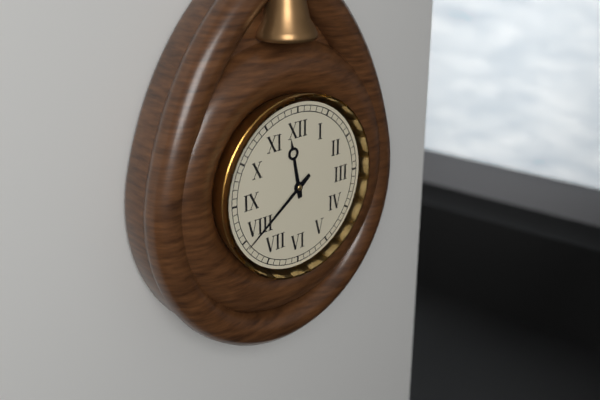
11:39
